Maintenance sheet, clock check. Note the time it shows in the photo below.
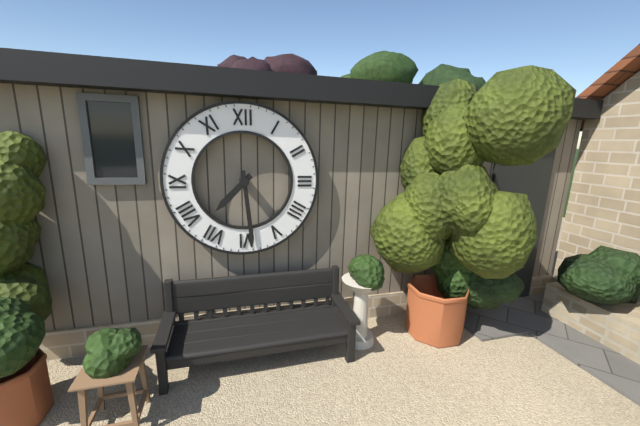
7:29
